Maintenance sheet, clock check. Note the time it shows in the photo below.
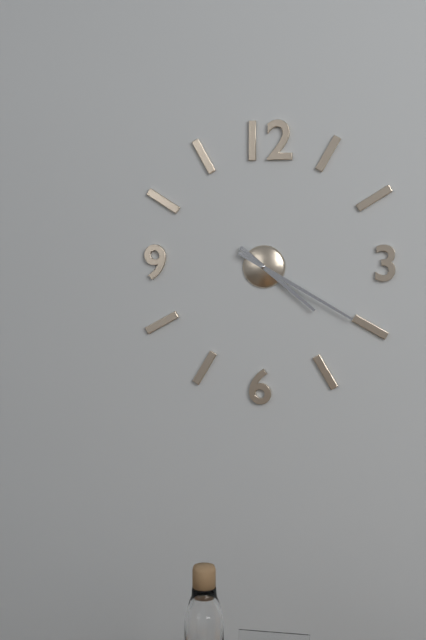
4:20
